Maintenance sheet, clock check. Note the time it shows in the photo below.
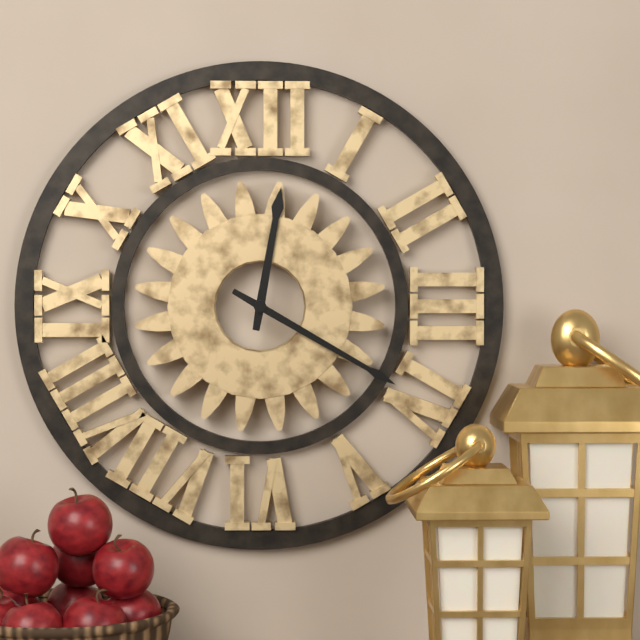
12:20
